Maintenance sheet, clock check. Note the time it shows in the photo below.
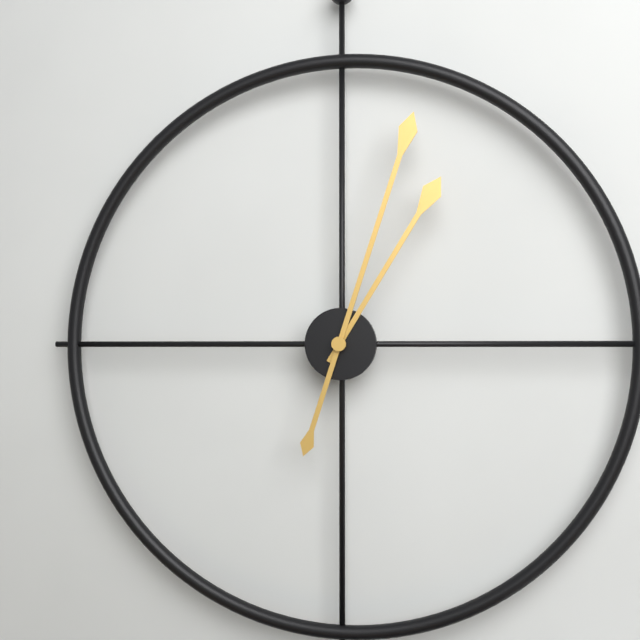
1:03
